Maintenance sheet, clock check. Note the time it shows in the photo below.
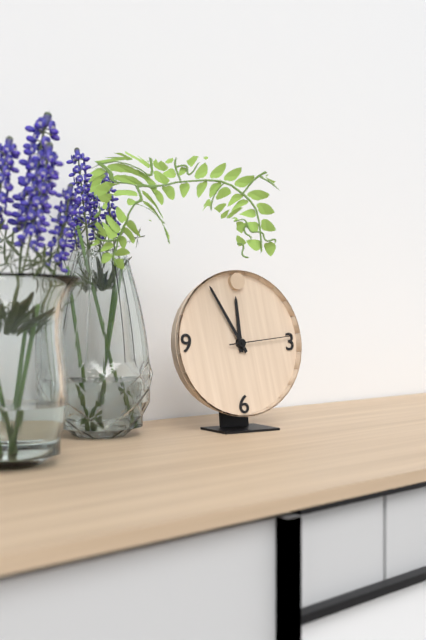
11:55:14
